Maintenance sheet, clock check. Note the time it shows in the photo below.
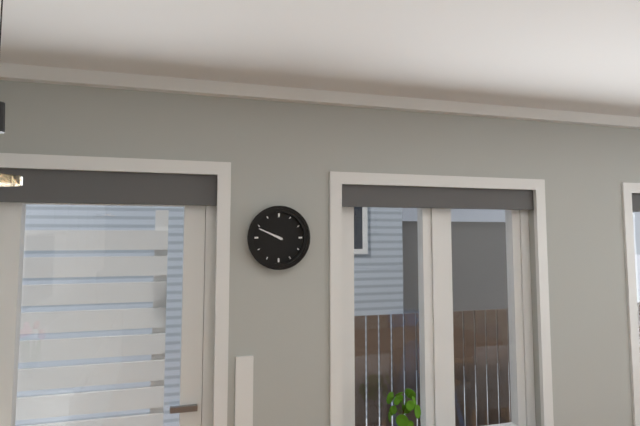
9:49
